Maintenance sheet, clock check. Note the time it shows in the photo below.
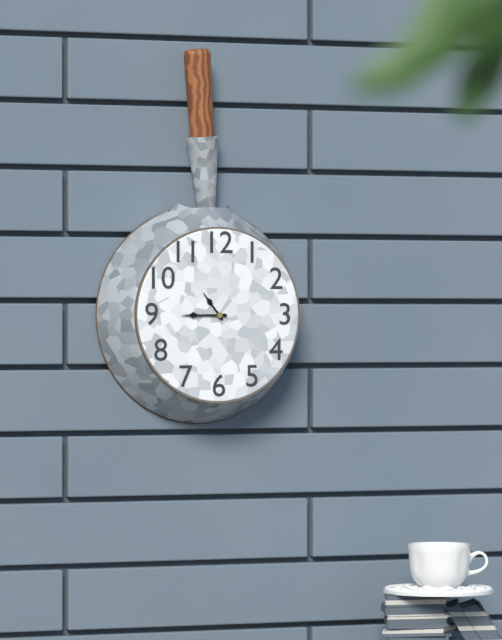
10:45
